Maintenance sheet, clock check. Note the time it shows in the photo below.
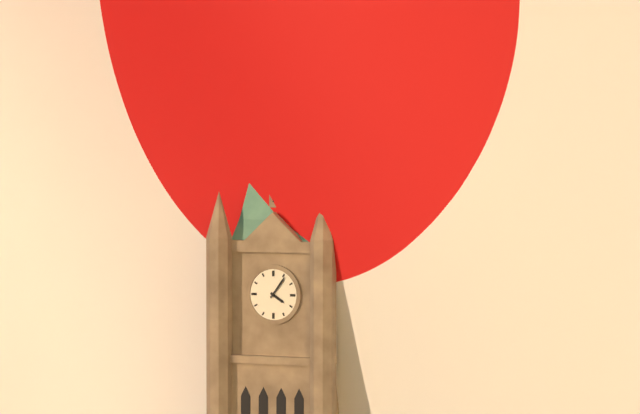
4:06
